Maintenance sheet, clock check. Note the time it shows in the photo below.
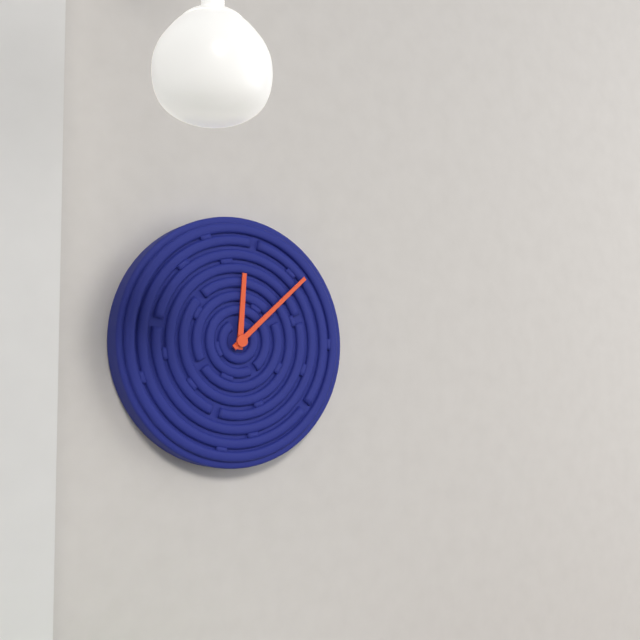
12:08
